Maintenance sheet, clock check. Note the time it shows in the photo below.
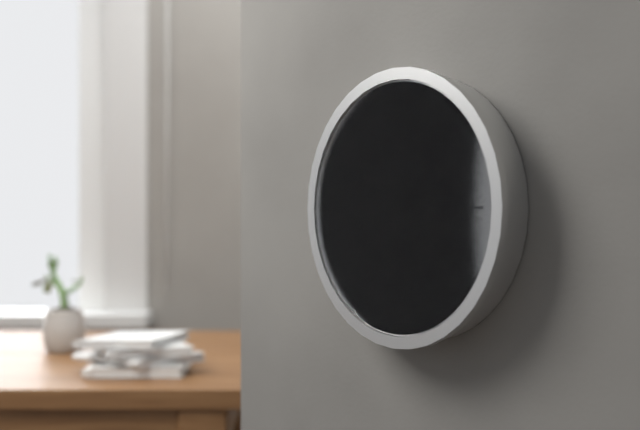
8:13
